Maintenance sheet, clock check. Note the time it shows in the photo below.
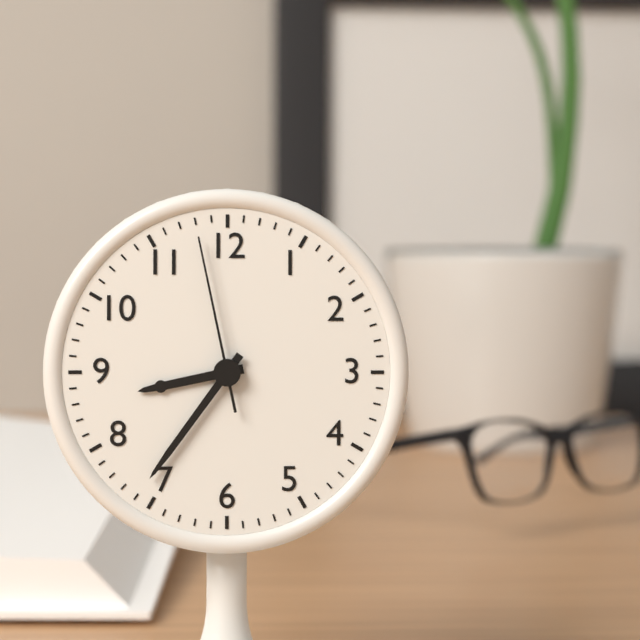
8:36:58
